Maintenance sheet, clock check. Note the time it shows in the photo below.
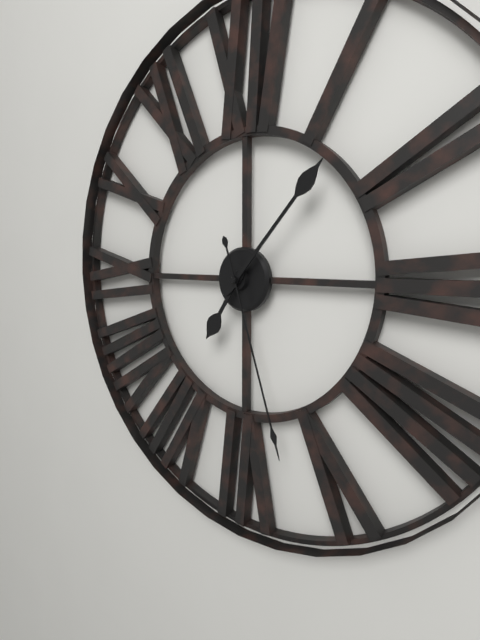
7:07:27
